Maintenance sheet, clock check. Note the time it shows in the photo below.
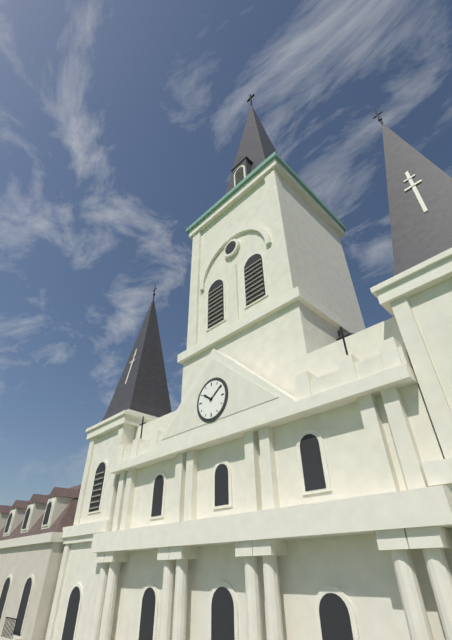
10:09
